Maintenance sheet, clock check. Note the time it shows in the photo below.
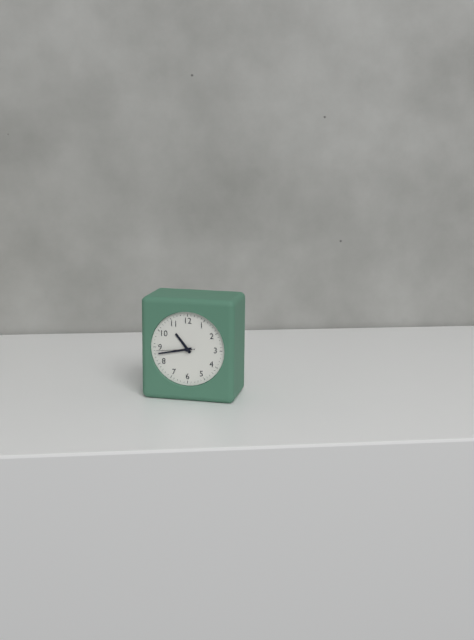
10:43
